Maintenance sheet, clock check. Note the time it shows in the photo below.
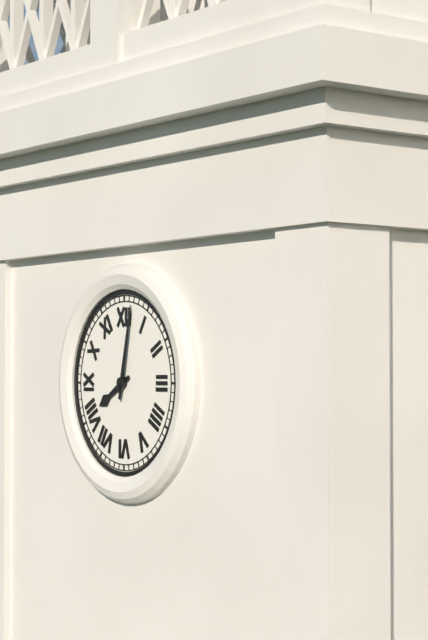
8:02
